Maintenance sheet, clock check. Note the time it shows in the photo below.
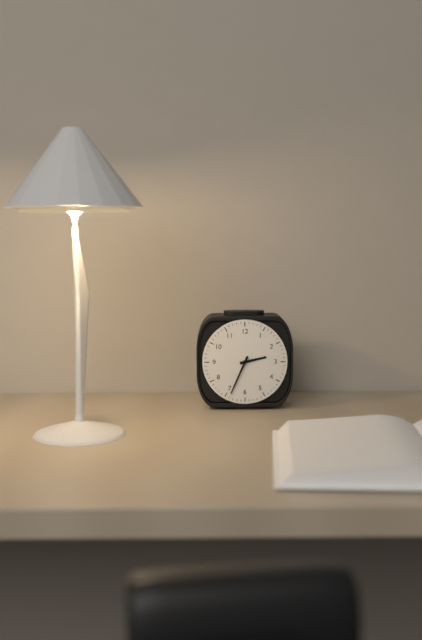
2:34
